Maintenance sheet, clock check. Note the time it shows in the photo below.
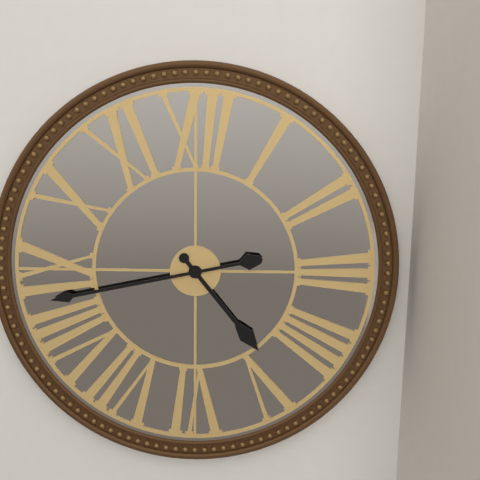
4:43
